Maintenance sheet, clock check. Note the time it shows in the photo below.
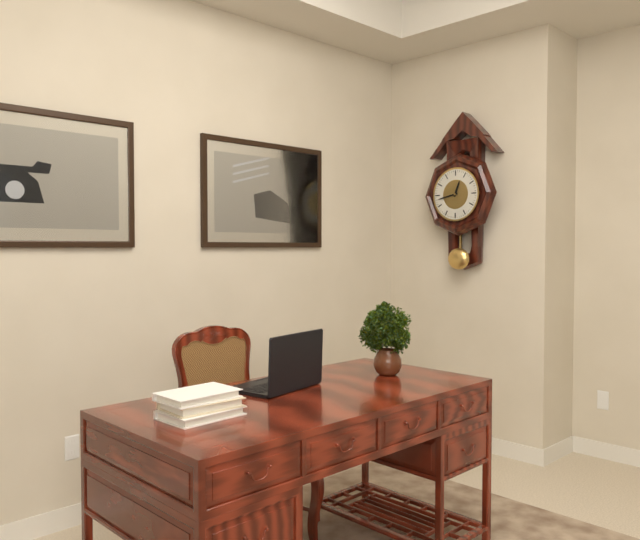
12:43
